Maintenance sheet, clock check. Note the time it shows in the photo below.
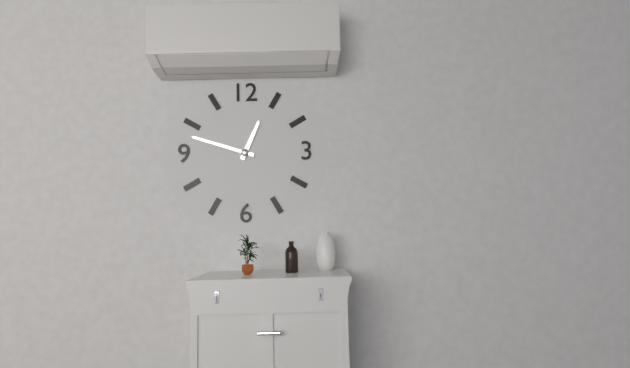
12:48
